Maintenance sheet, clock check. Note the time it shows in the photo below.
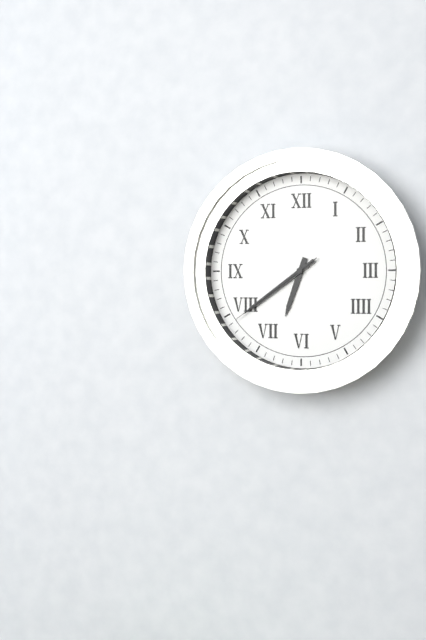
6:39:39
